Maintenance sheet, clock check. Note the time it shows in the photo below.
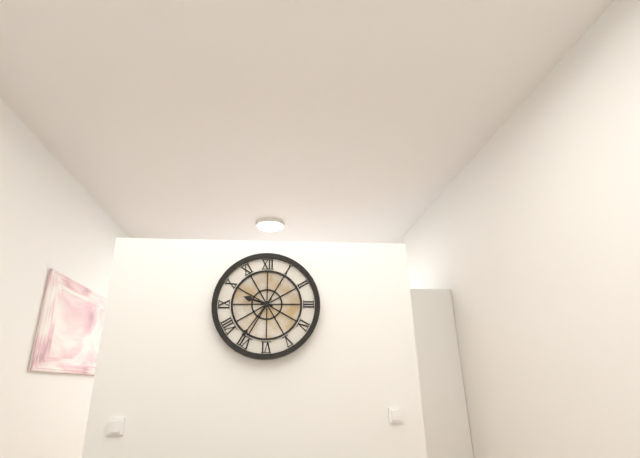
9:36
